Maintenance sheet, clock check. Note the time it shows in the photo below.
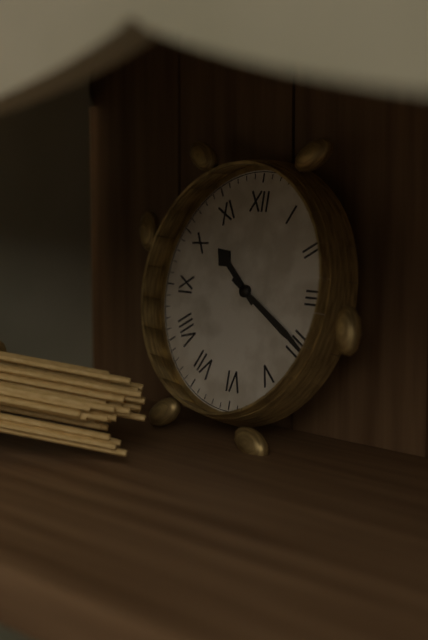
10:20
